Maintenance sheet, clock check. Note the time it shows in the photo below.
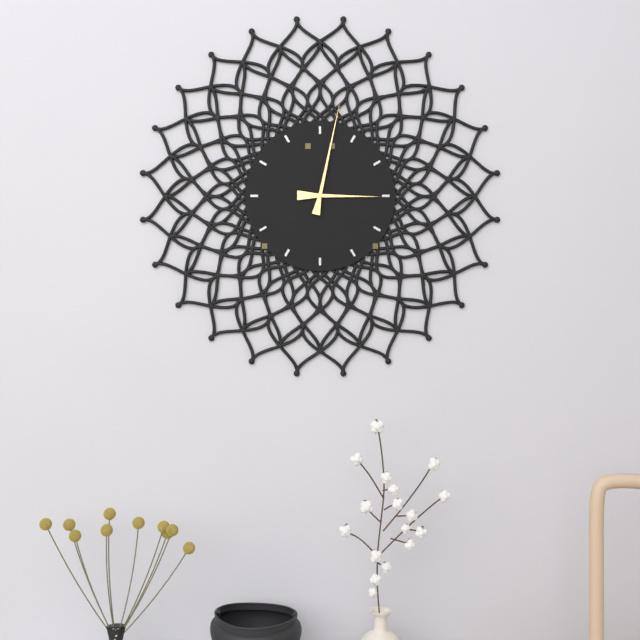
3:02
